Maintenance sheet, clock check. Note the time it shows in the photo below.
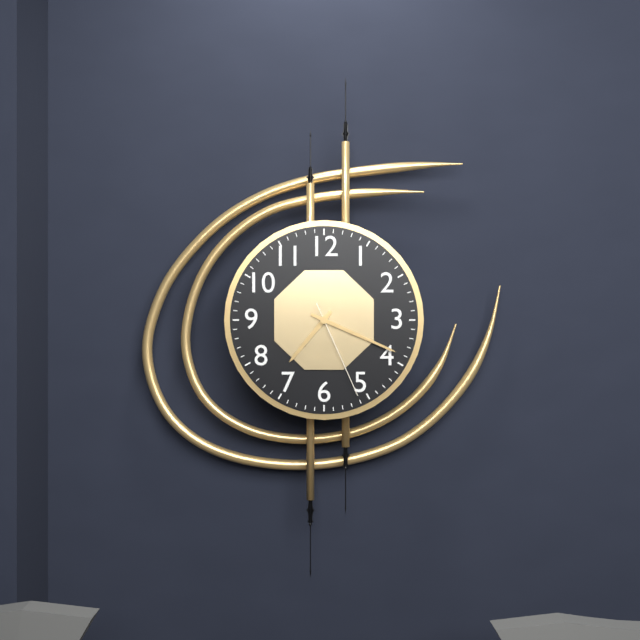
7:19:26
